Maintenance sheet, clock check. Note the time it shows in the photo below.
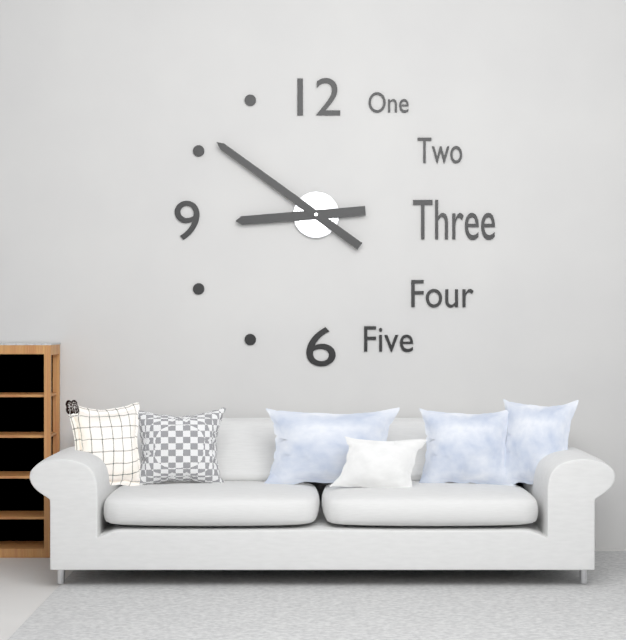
8:51
